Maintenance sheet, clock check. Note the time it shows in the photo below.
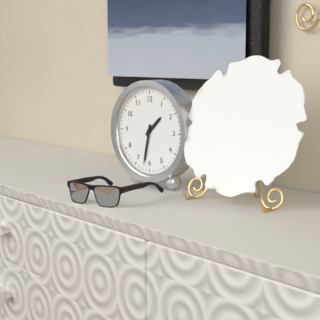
1:32
